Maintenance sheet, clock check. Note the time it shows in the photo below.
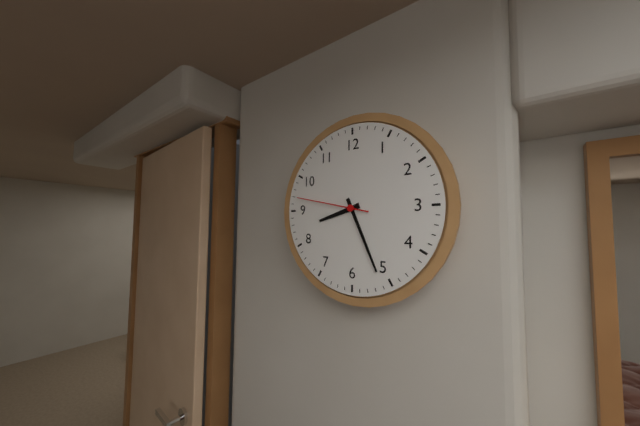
8:26:47
